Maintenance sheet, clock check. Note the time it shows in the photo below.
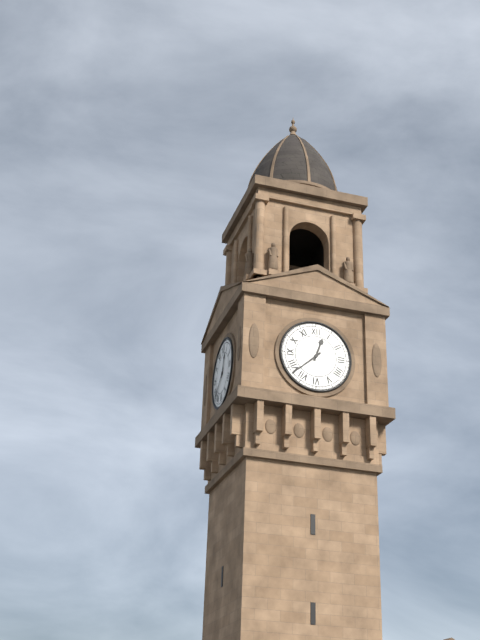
12:38
